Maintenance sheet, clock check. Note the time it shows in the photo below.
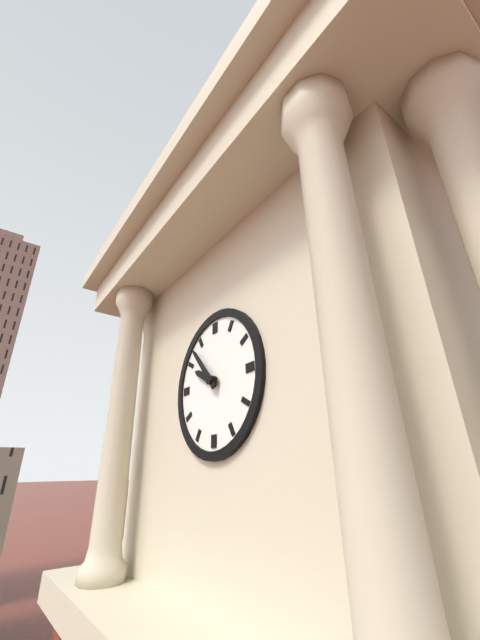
9:53
